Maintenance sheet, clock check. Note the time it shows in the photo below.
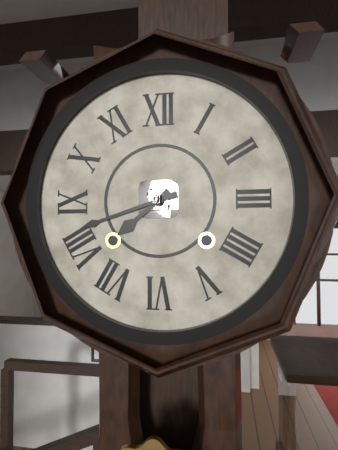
7:42
